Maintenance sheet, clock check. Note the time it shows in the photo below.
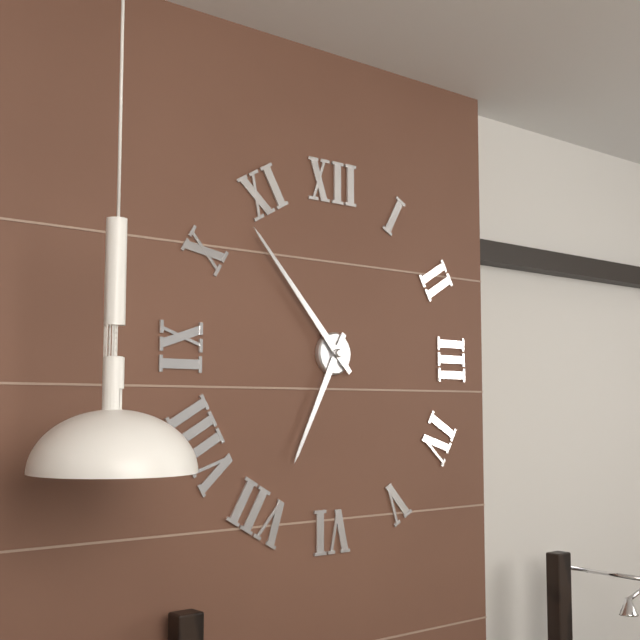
6:53
